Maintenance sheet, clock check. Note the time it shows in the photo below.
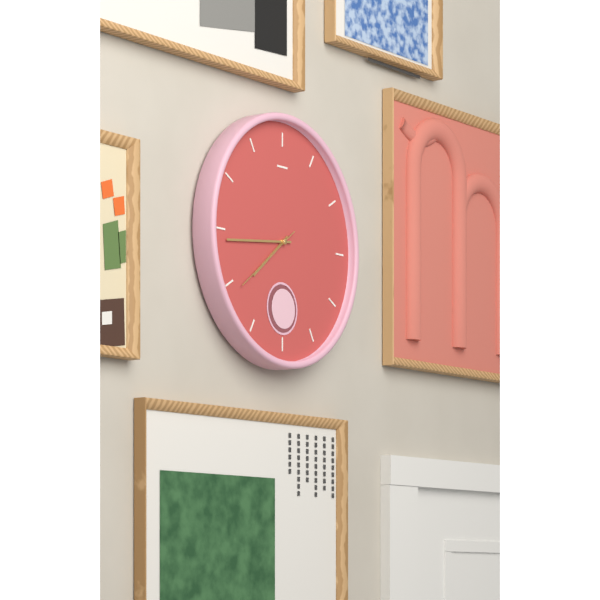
7:44:39
